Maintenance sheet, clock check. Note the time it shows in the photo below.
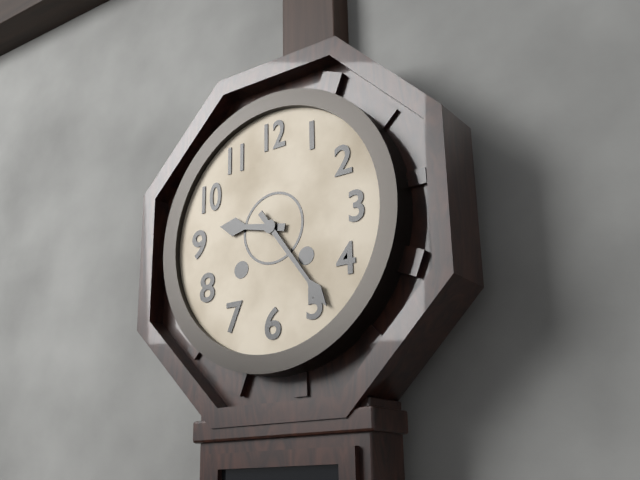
9:24
